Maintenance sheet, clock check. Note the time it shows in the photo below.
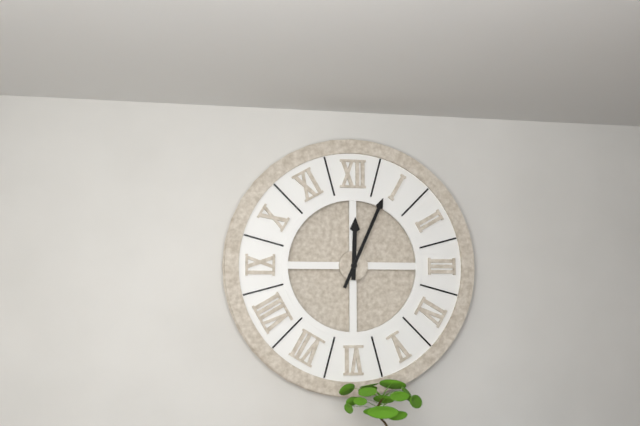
12:04
